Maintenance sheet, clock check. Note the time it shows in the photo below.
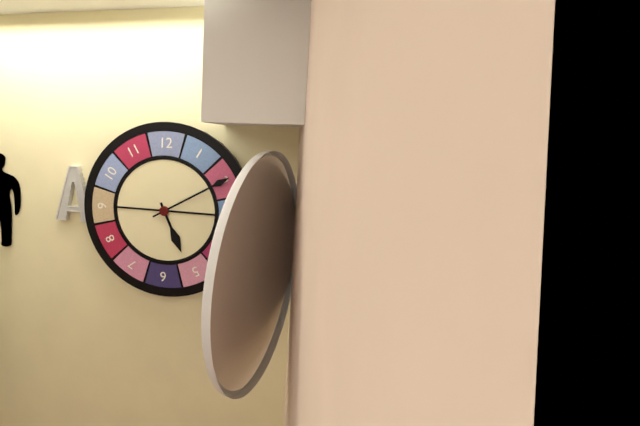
5:10
